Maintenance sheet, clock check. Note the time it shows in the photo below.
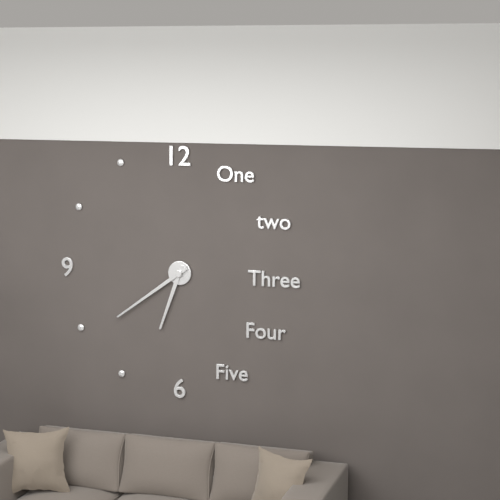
6:39
